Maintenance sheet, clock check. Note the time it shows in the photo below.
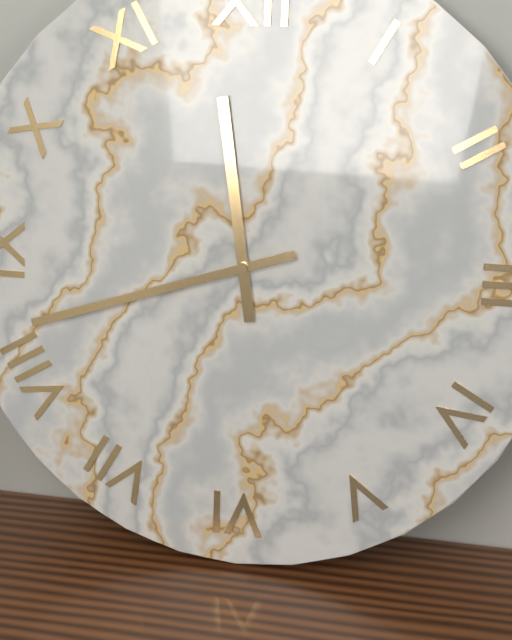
11:42
